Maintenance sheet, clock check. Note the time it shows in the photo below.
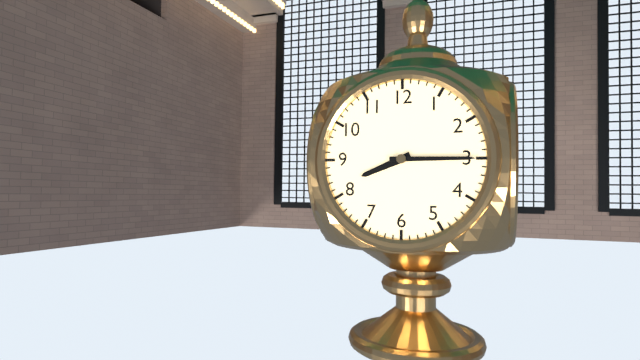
8:15
